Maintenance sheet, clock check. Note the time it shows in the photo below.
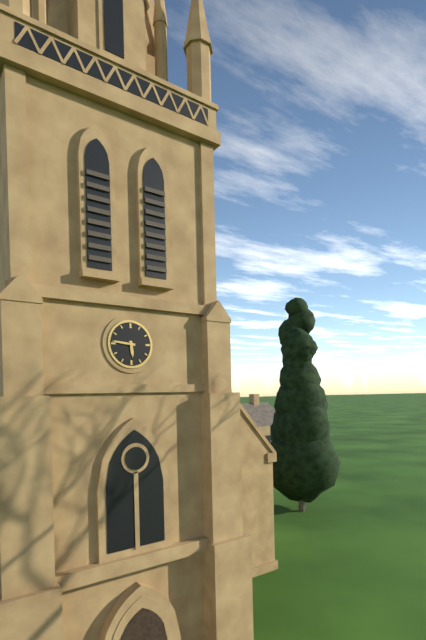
5:46
